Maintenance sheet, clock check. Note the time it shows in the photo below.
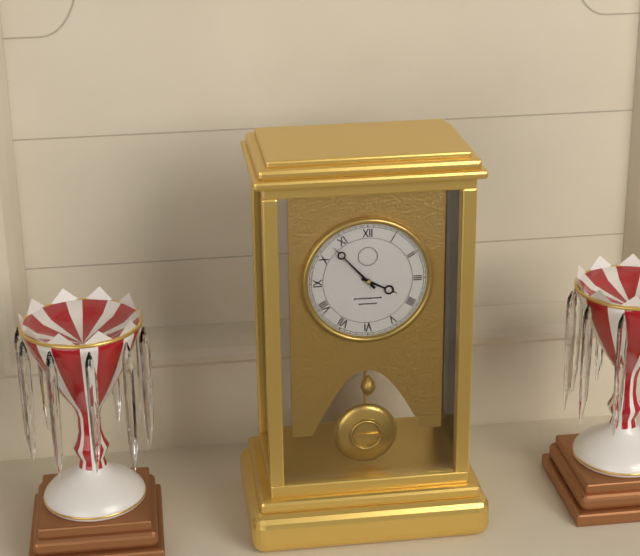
3:53
